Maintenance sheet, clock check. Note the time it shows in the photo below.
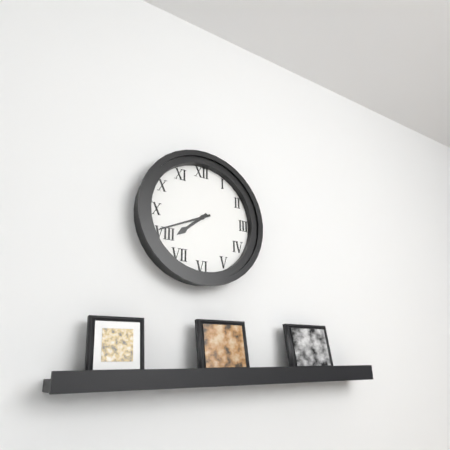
7:41
